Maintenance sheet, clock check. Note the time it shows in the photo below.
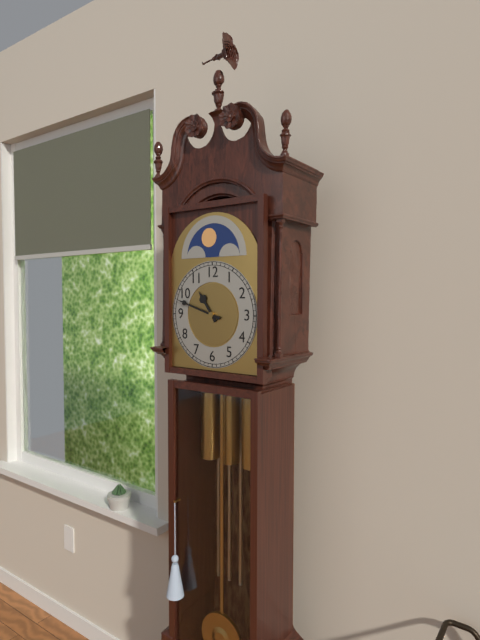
10:48
